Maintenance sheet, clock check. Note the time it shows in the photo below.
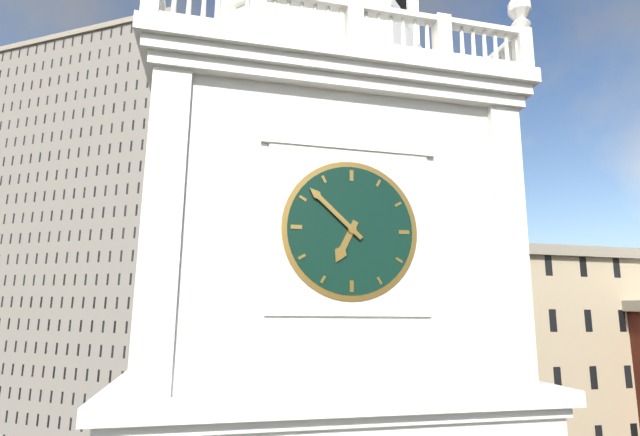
6:52
